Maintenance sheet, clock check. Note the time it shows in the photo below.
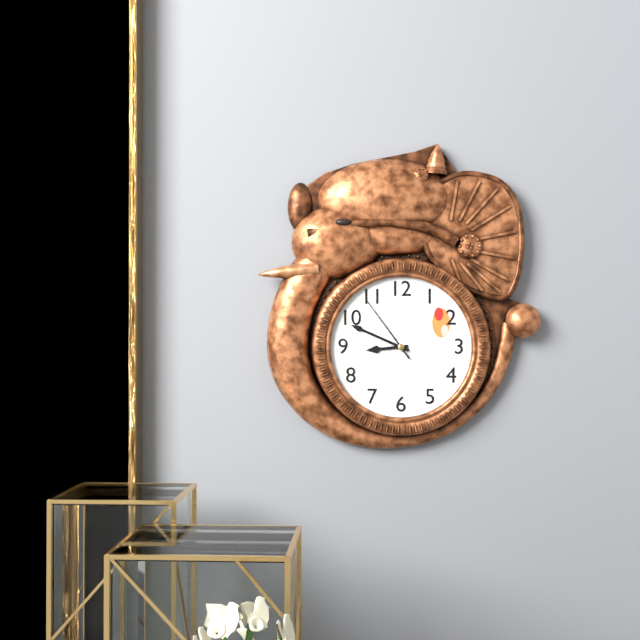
8:49:54
